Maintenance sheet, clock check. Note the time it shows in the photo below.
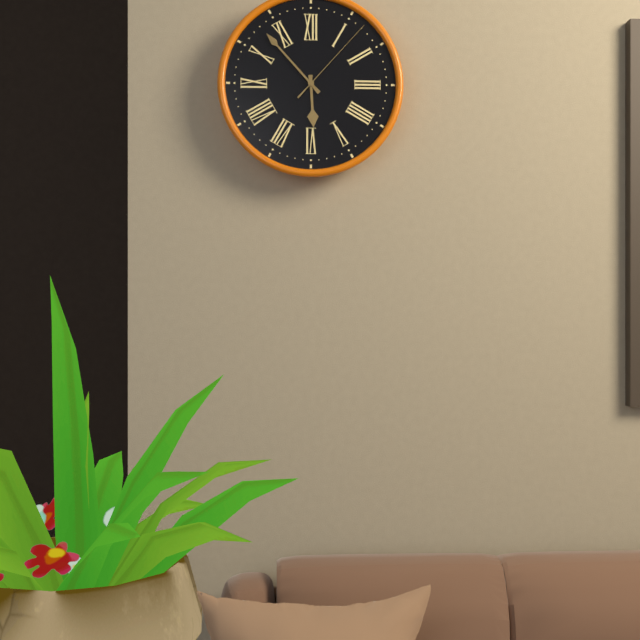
5:53:07
